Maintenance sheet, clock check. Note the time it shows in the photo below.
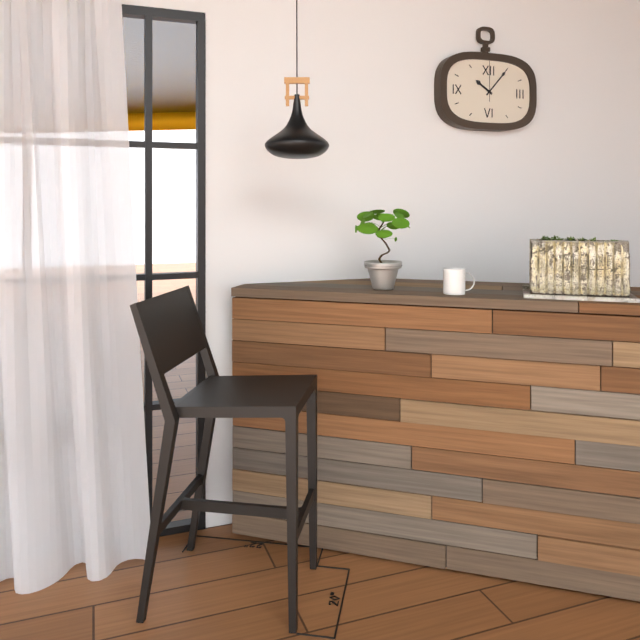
10:07
